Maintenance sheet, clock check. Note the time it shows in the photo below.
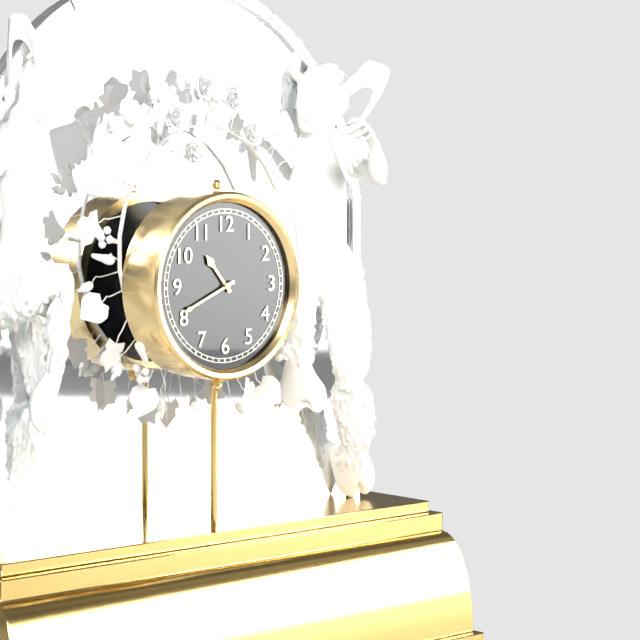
10:41
